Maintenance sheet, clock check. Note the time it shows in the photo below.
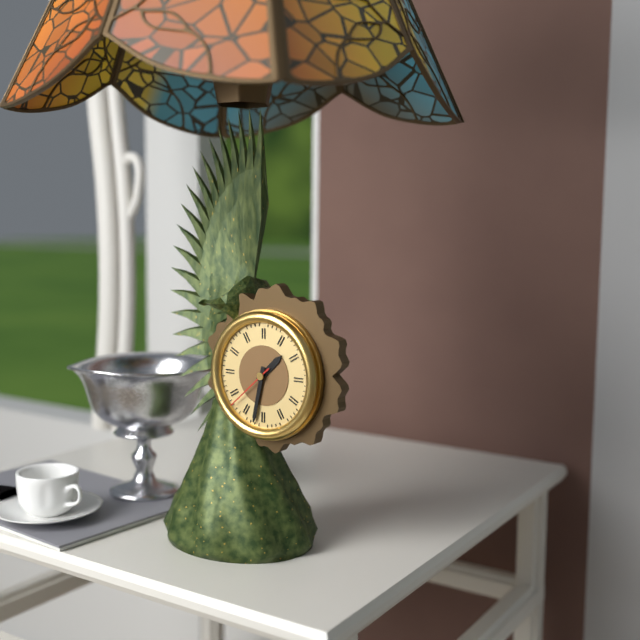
1:32:38
